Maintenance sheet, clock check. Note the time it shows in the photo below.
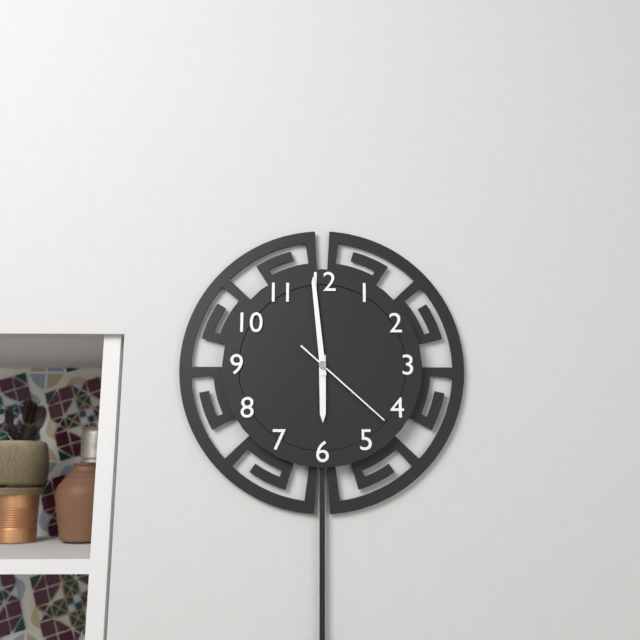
5:59:22
